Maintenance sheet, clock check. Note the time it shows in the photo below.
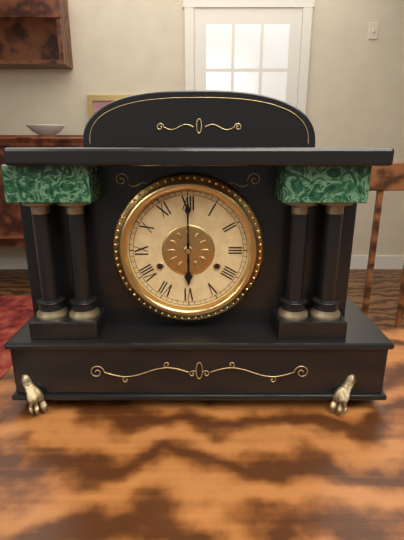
6:00
